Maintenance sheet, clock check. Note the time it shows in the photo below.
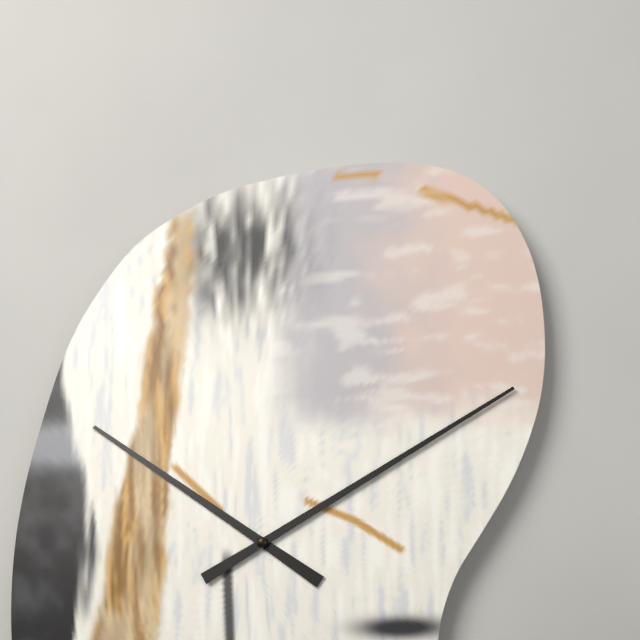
10:10
